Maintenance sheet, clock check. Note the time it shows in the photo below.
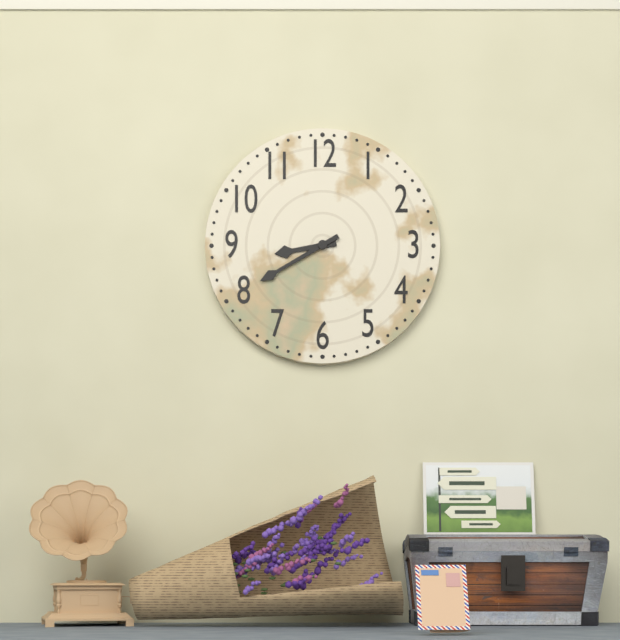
8:40
